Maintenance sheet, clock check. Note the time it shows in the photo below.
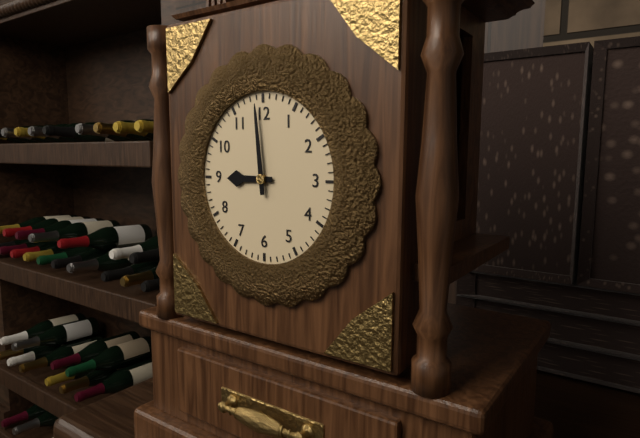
8:59
